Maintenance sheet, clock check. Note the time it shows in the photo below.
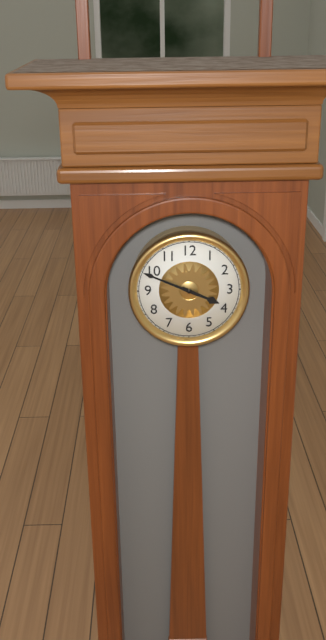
3:49
